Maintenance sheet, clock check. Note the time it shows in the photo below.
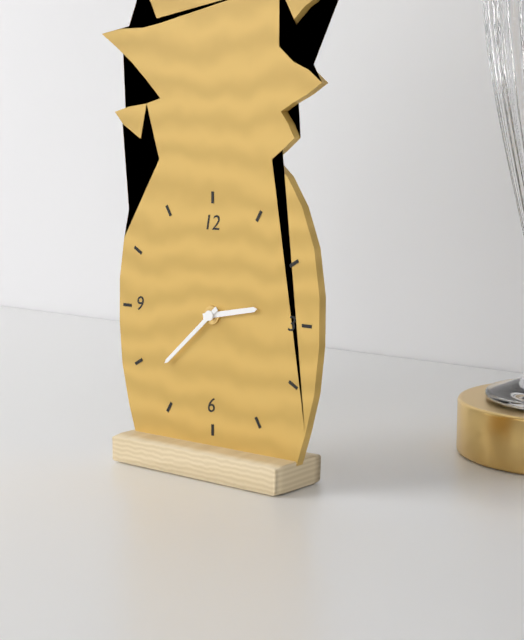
2:38
